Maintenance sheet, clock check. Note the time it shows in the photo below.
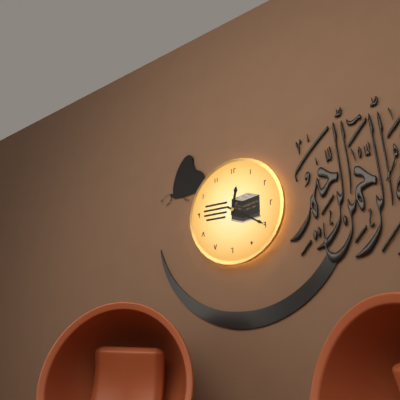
12:20
